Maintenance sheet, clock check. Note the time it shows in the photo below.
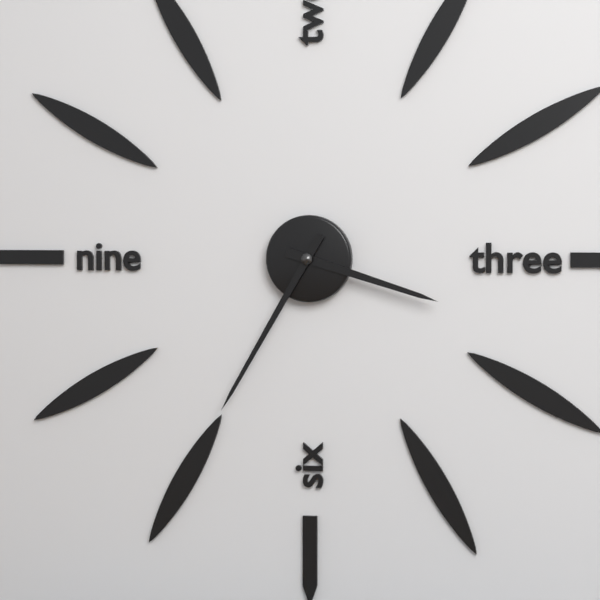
3:35
